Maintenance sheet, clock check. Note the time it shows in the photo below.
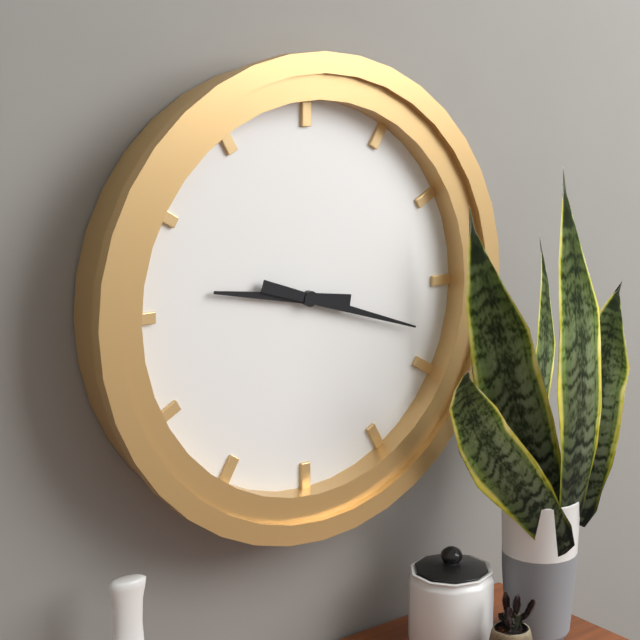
9:18
